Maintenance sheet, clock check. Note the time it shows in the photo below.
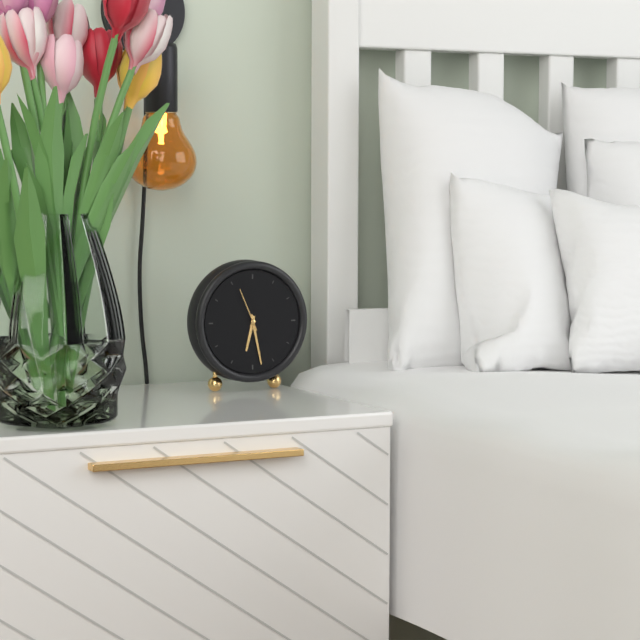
6:28
